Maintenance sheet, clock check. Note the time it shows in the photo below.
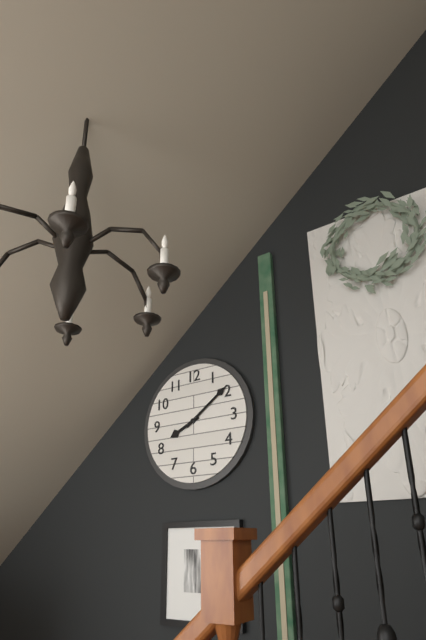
8:09
